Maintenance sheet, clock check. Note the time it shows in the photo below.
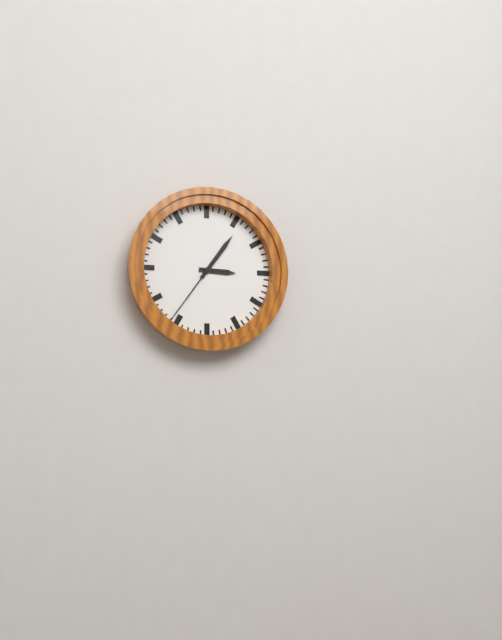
3:06:36
